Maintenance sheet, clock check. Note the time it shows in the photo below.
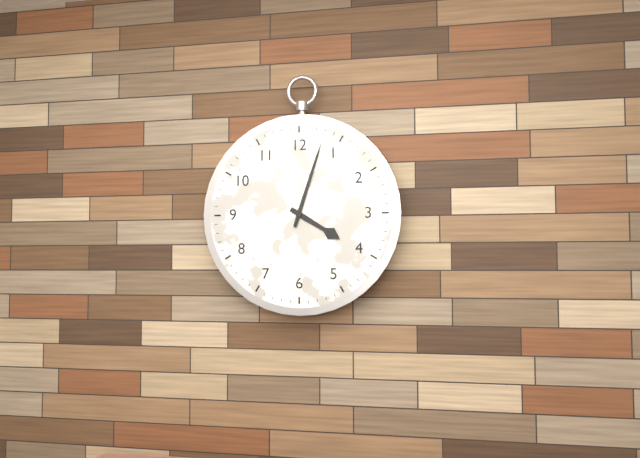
4:03
